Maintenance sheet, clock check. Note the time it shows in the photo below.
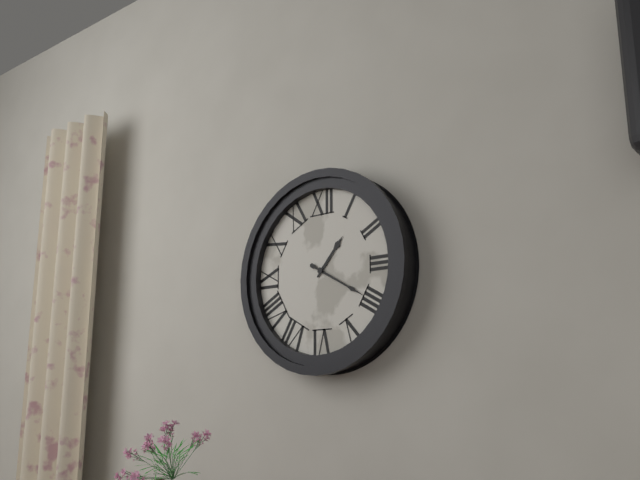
1:20
